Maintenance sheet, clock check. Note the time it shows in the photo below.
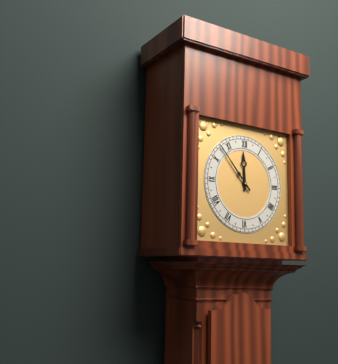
11:53
